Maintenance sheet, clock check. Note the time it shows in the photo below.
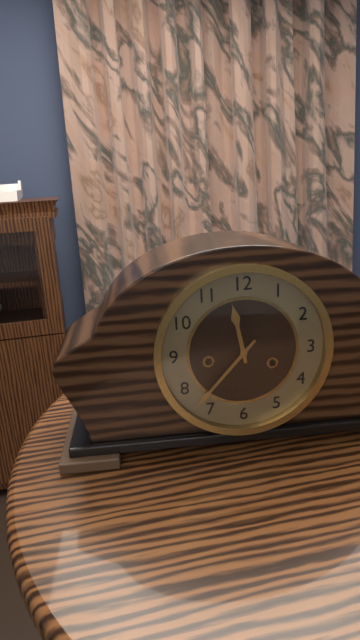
11:37
